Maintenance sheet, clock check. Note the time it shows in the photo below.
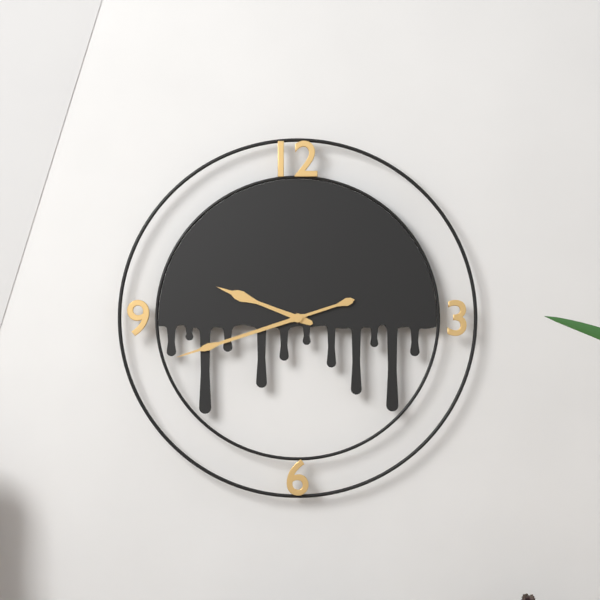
9:42
